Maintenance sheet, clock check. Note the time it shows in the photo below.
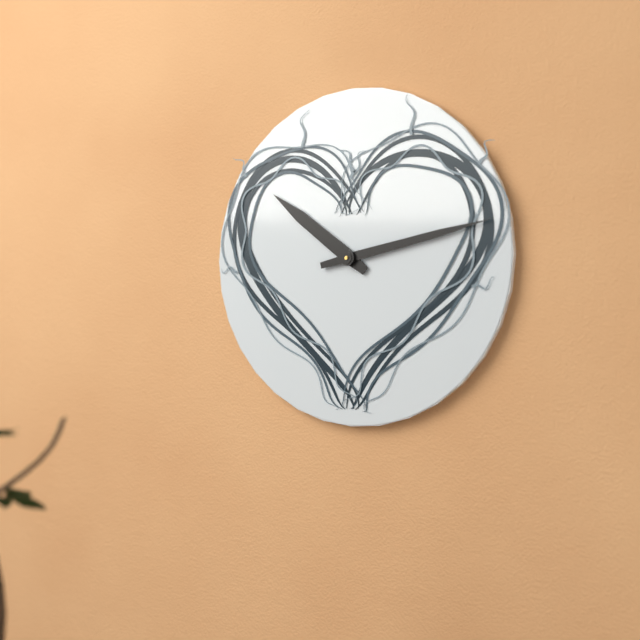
10:13
